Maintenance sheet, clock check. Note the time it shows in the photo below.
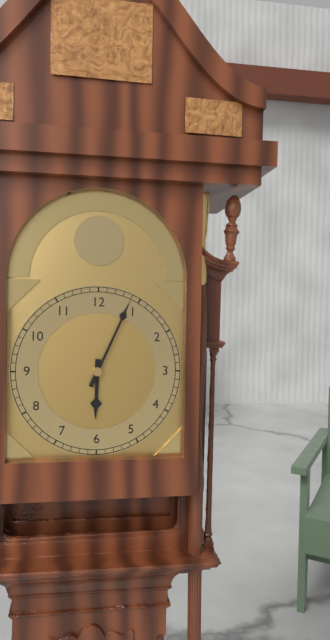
6:04
